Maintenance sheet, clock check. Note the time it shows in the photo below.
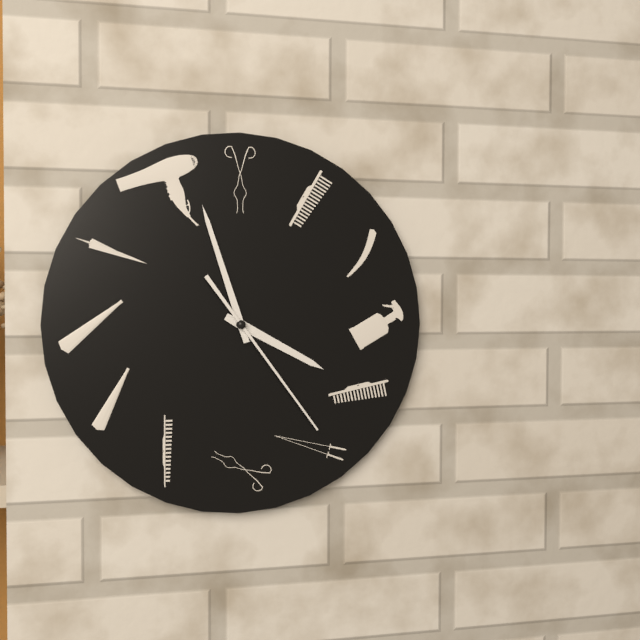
3:57:24
